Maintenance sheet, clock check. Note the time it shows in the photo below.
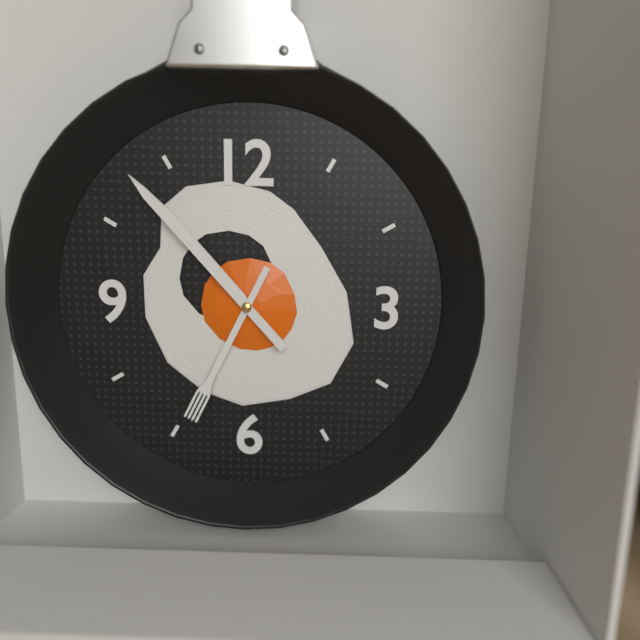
6:53
